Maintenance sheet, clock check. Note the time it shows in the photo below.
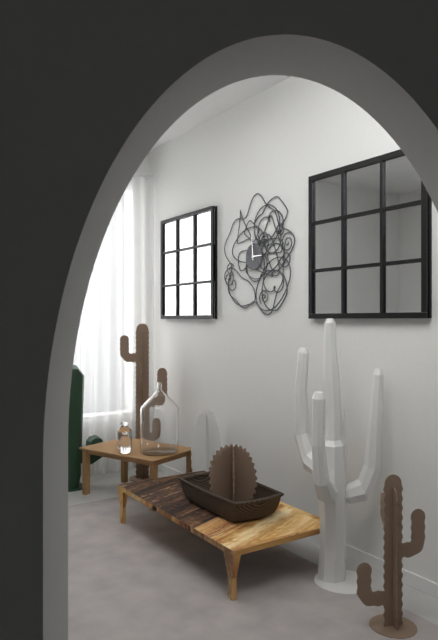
2:59
